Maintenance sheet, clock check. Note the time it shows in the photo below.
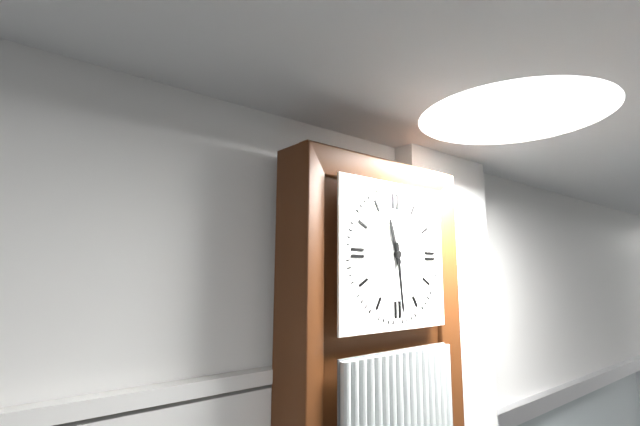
11:29
